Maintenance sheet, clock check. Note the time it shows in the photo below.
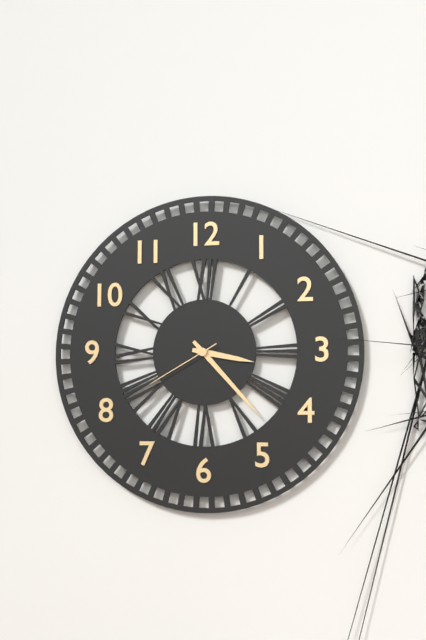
3:23:40
